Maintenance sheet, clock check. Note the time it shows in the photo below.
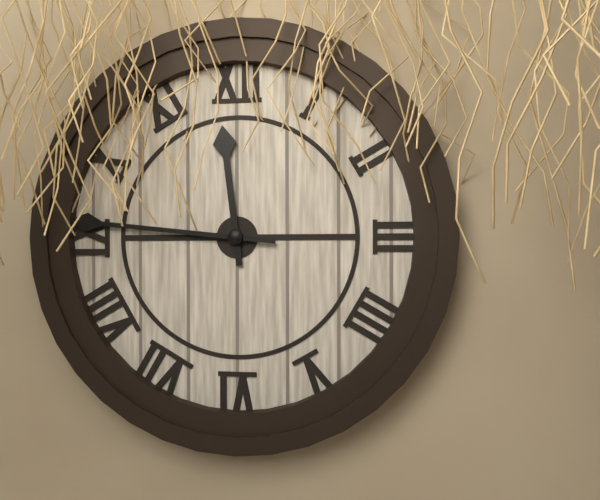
11:46
